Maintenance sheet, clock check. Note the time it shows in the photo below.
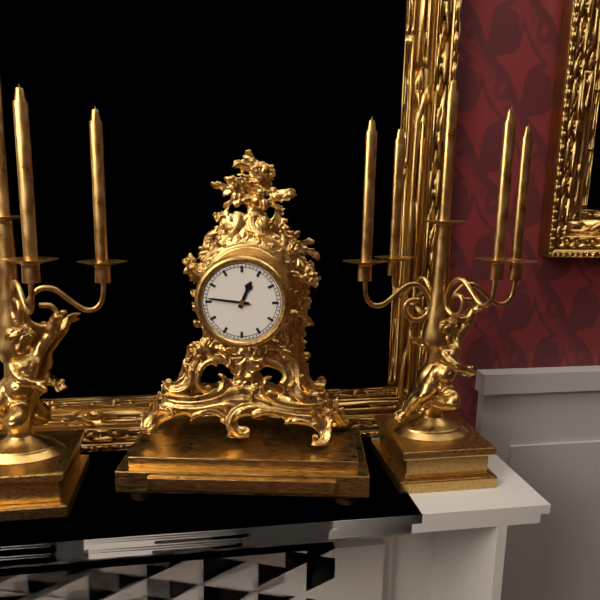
12:46
